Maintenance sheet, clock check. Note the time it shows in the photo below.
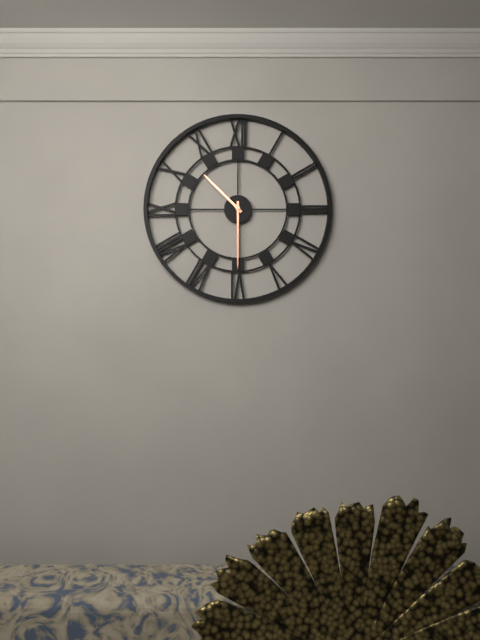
10:30
